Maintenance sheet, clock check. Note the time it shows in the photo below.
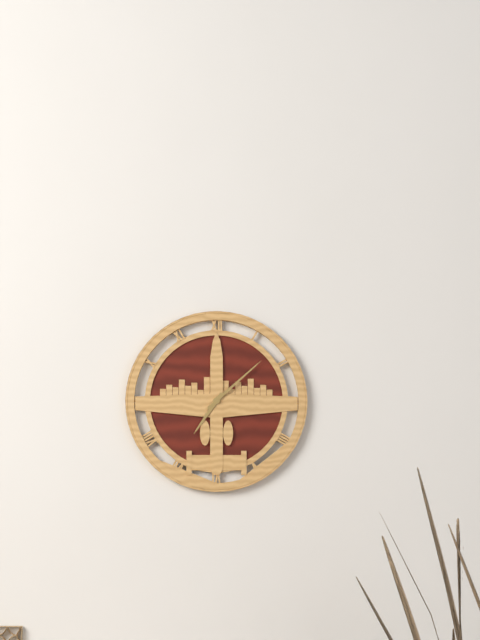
7:08
